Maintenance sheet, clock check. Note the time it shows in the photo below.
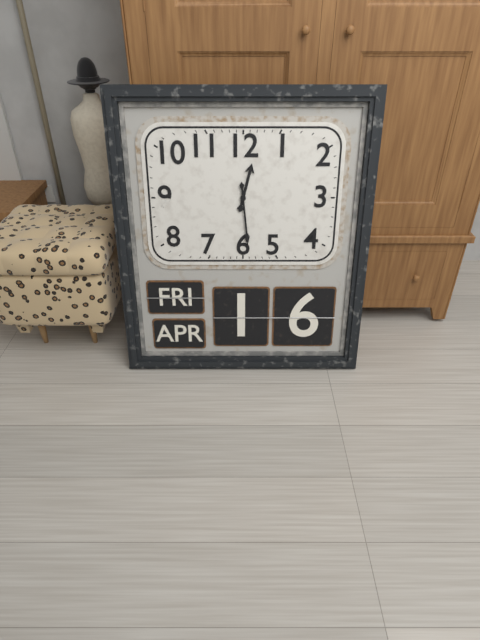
12:29
